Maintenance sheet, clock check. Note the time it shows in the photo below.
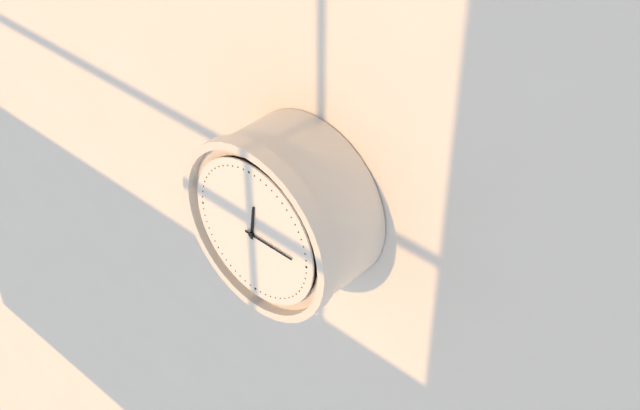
12:15
